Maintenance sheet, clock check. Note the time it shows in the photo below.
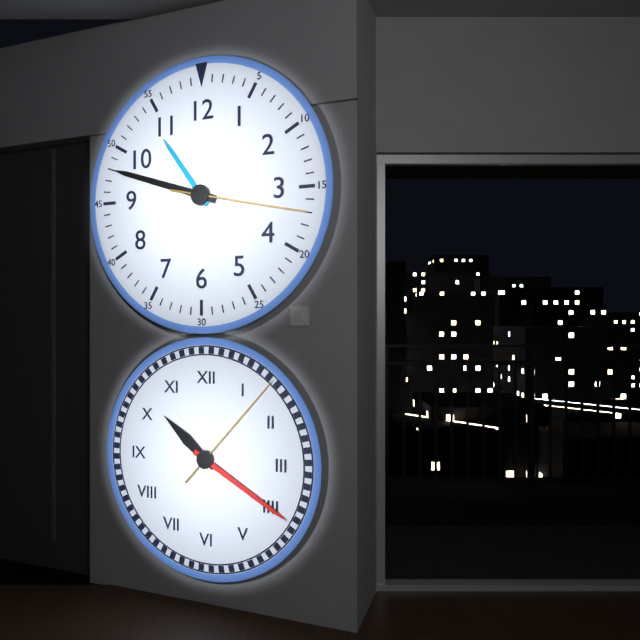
10:48:17
